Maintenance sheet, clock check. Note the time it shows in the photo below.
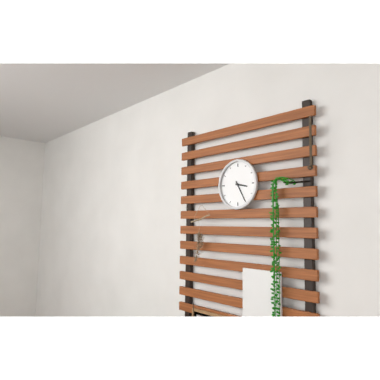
3:25
